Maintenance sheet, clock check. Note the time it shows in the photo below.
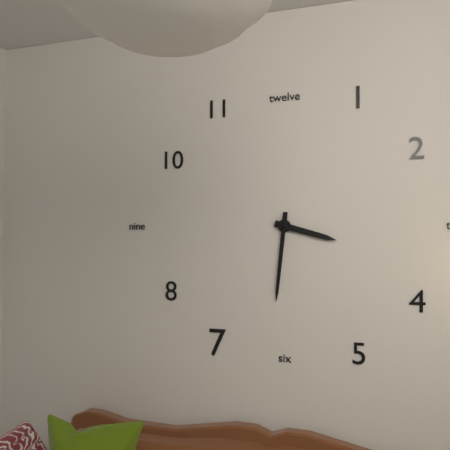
3:31
